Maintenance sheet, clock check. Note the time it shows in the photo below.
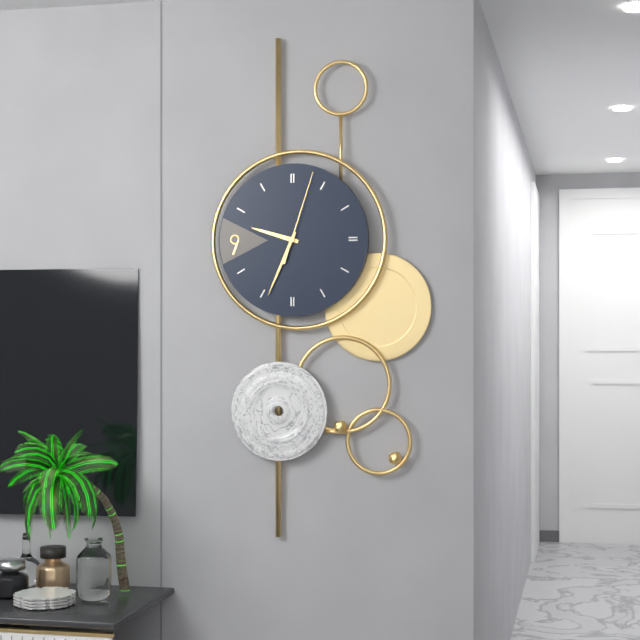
9:34:03
